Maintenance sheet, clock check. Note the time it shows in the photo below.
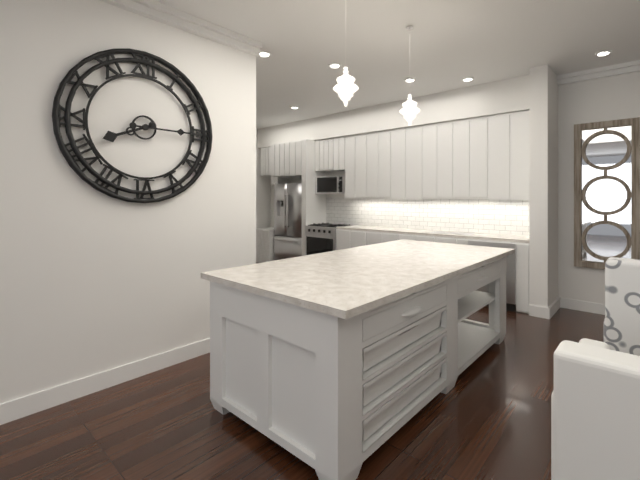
8:15
